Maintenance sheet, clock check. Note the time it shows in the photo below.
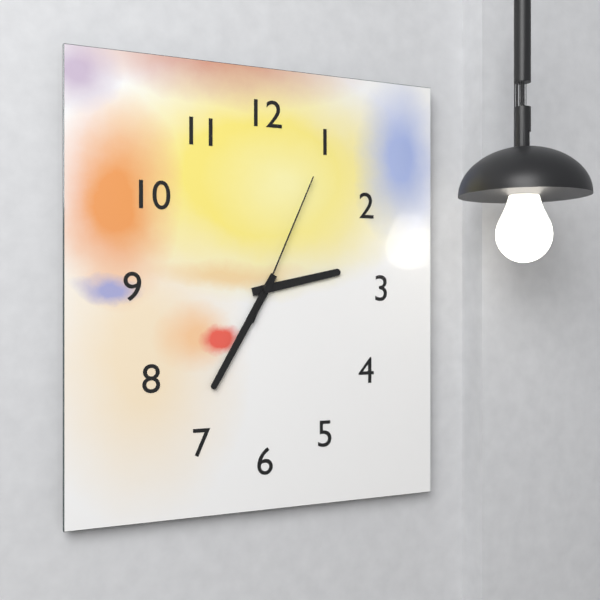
2:35:04
